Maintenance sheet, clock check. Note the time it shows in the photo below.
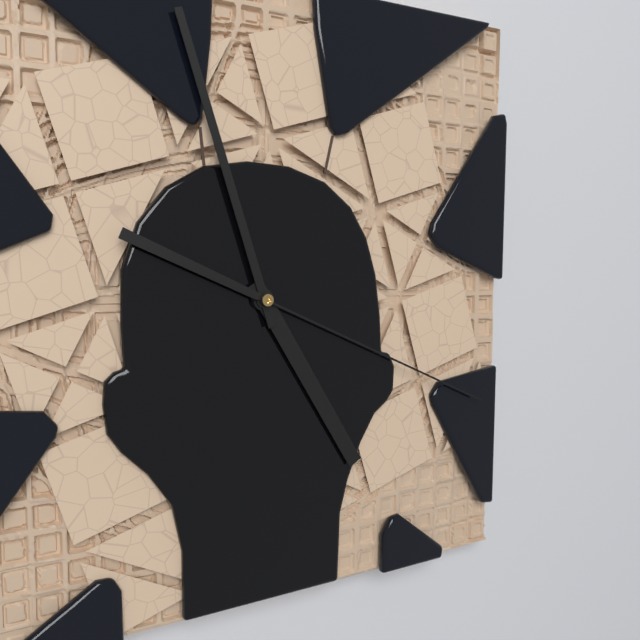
4:57:19
